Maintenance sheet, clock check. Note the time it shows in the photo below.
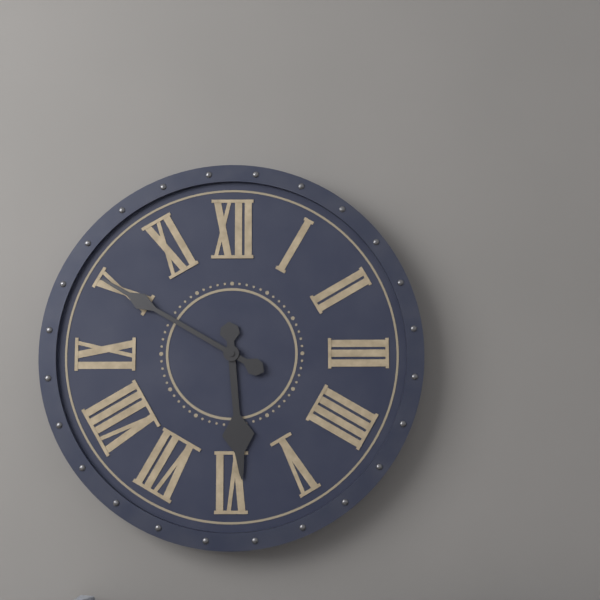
5:50
